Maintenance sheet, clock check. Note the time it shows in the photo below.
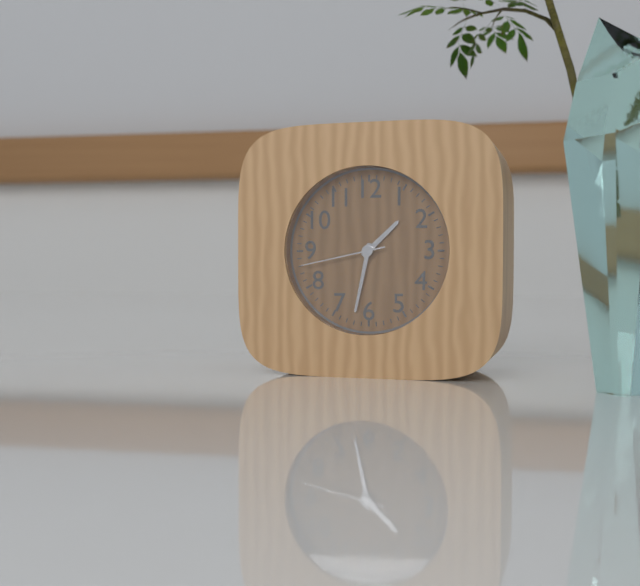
1:32:43
